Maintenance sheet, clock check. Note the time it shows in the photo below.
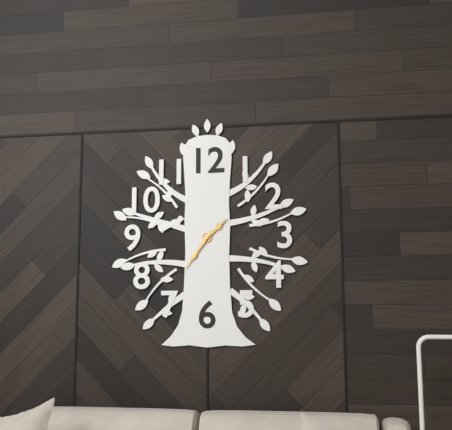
1:36
